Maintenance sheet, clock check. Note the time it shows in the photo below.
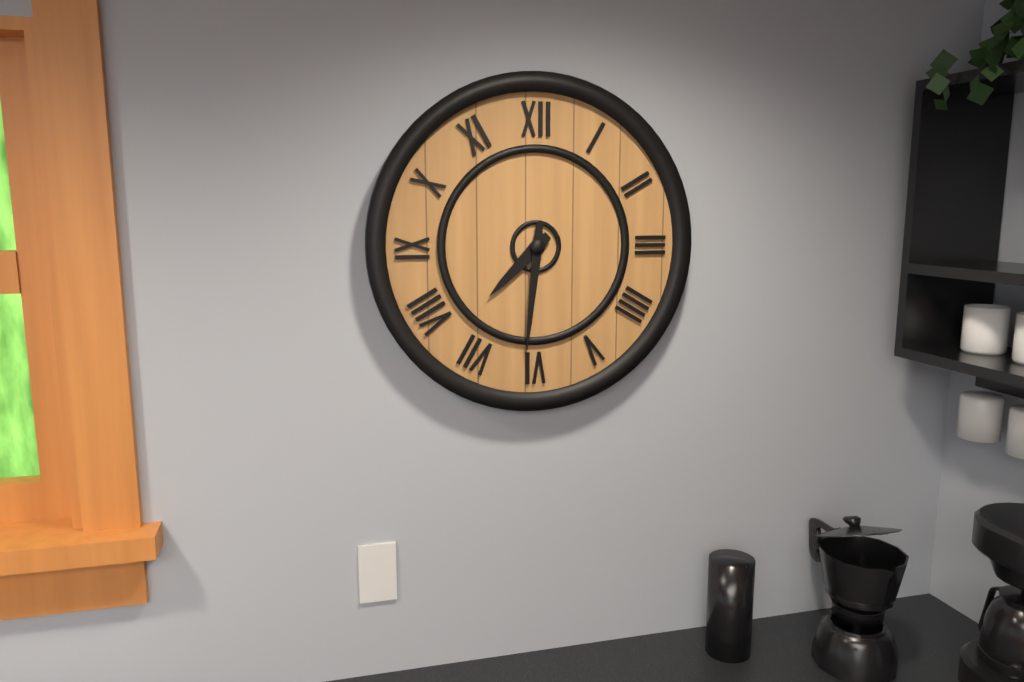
7:31
